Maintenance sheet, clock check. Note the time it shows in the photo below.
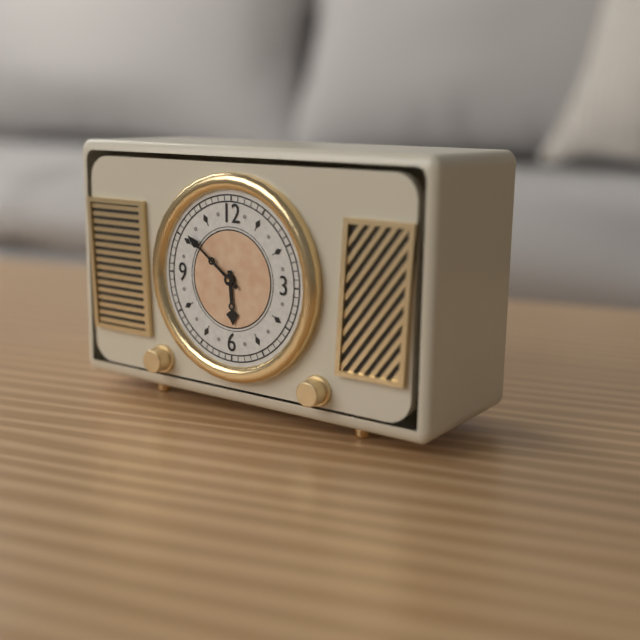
5:51
